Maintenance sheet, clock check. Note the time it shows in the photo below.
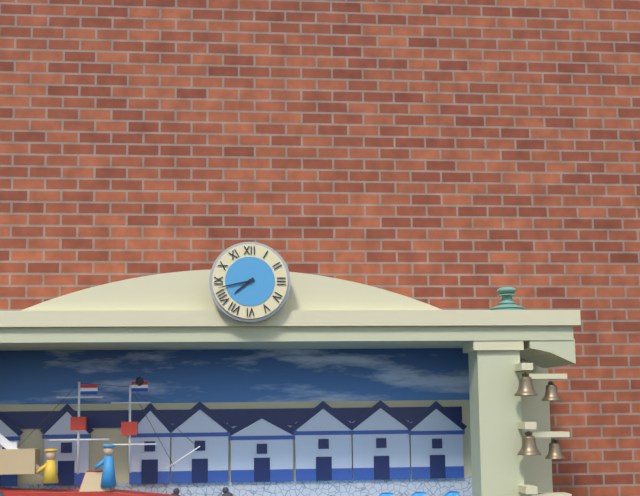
7:43
